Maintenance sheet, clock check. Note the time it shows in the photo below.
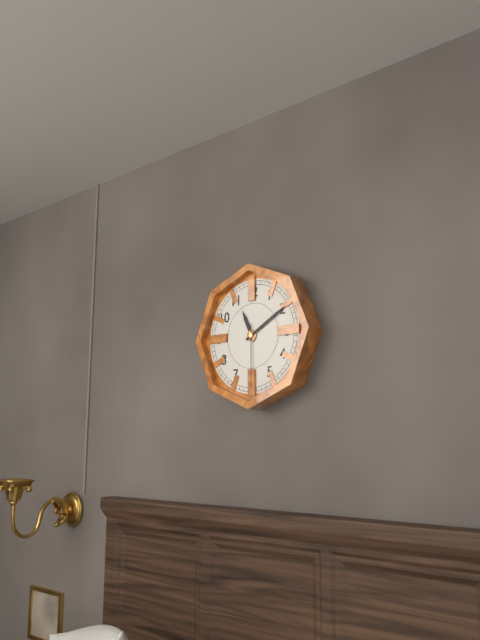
11:10:30
